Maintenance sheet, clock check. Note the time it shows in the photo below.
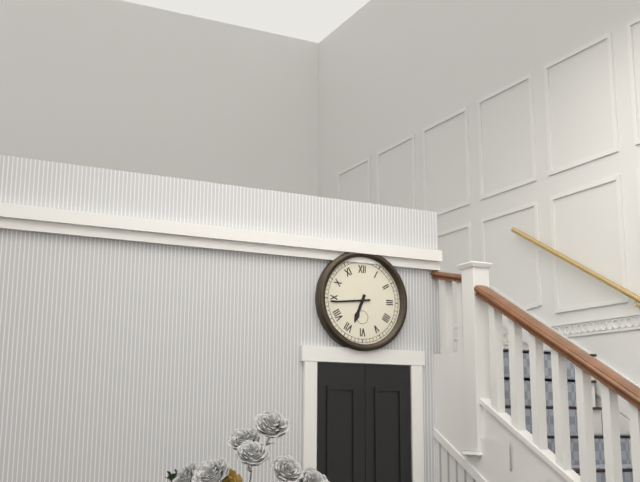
6:44
